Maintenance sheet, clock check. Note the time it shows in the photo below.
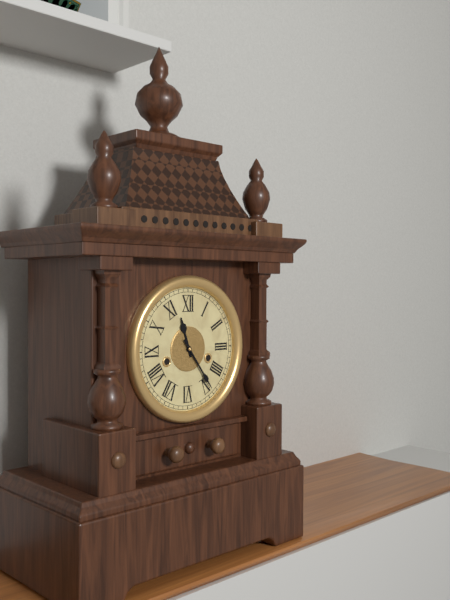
11:24
